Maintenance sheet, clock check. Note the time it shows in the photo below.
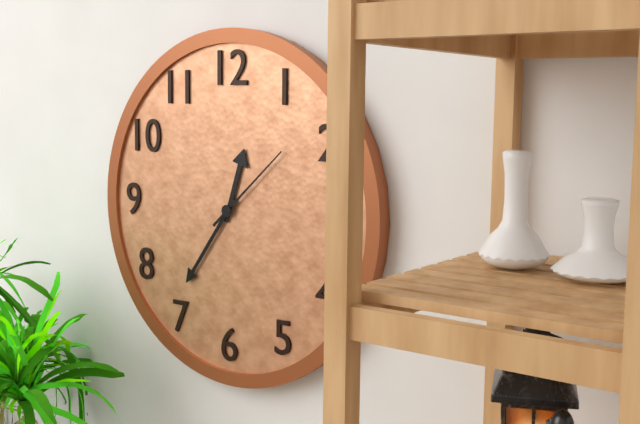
12:36:08
